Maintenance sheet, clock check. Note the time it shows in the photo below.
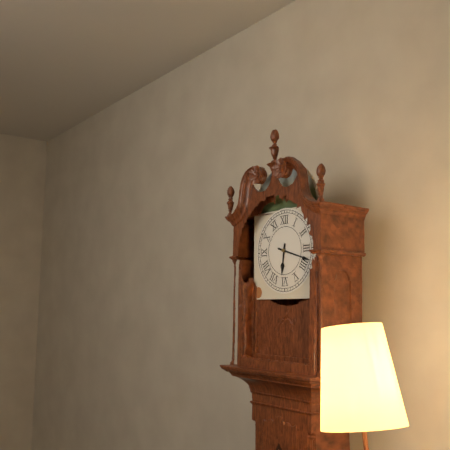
6:18
